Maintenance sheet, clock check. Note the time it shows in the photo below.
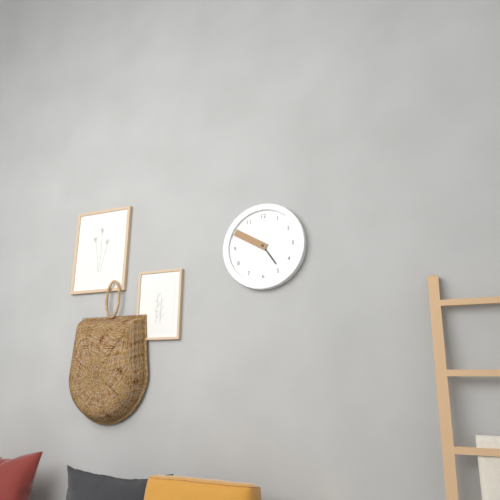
4:50
